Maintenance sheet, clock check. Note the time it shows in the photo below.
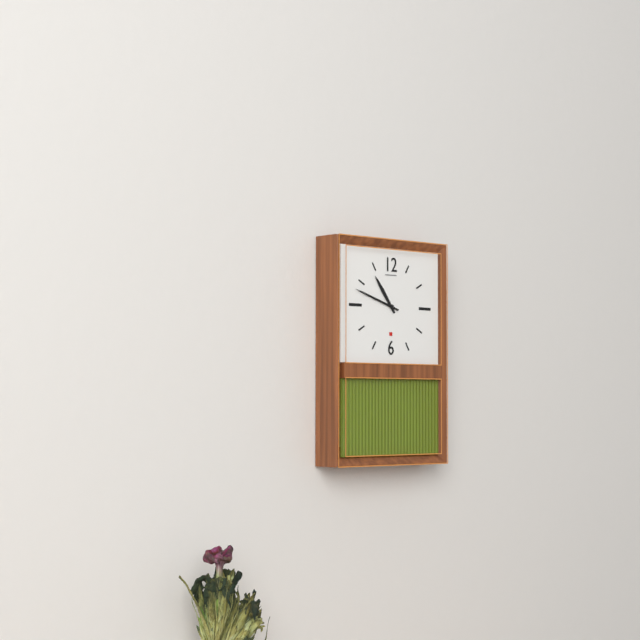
10:48
